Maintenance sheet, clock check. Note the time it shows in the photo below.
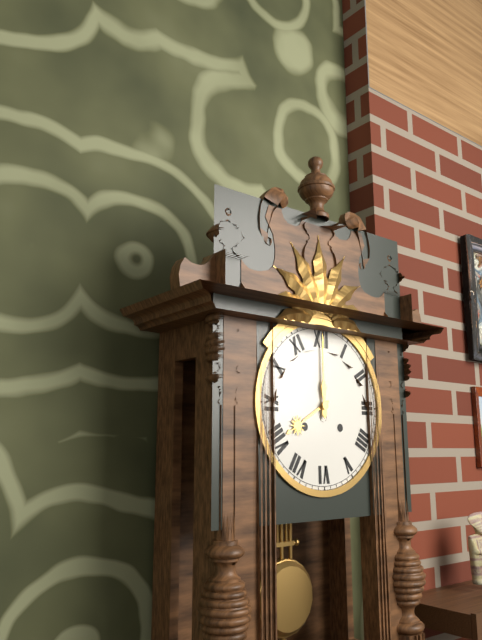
8:00
